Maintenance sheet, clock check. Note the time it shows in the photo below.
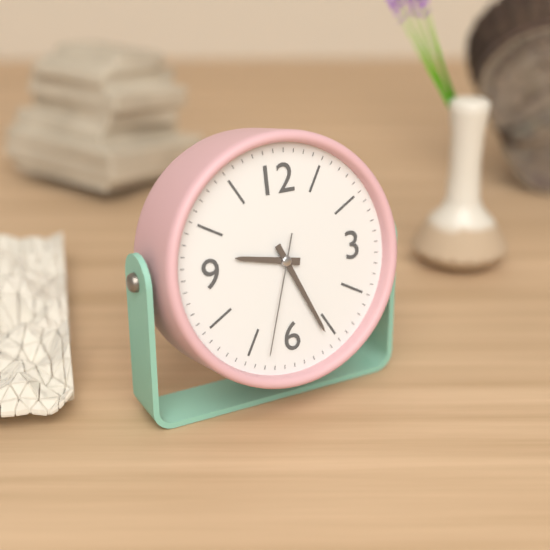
9:26:33
